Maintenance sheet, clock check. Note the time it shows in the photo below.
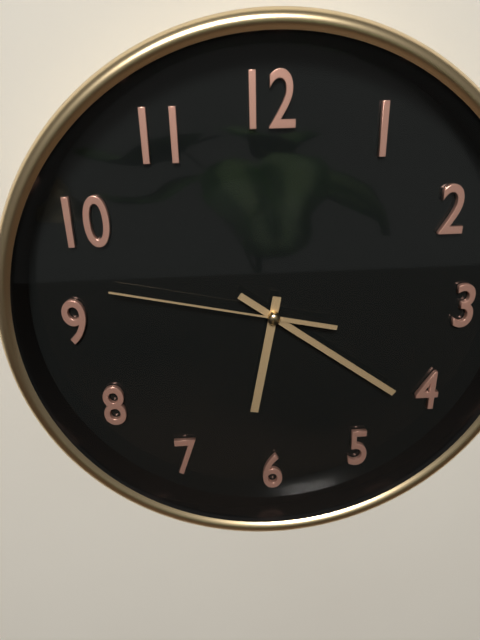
6:21:47
